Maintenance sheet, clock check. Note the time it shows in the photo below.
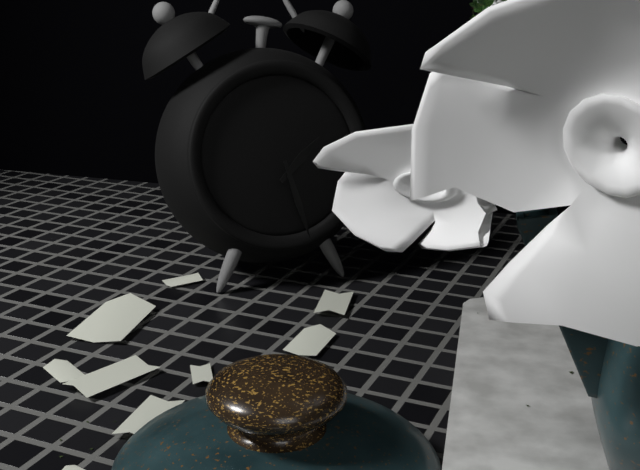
1:27
